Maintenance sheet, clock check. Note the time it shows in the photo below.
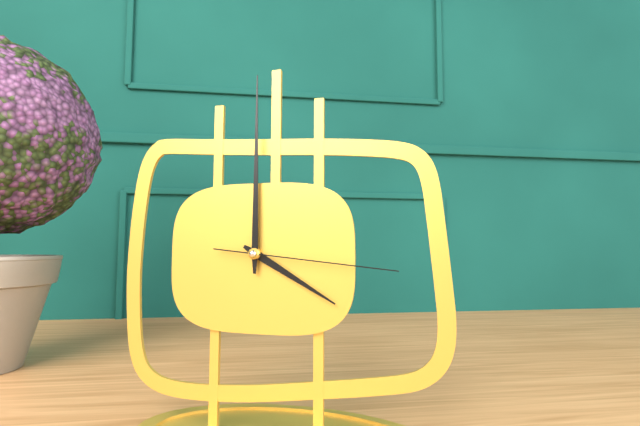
4:00:16
